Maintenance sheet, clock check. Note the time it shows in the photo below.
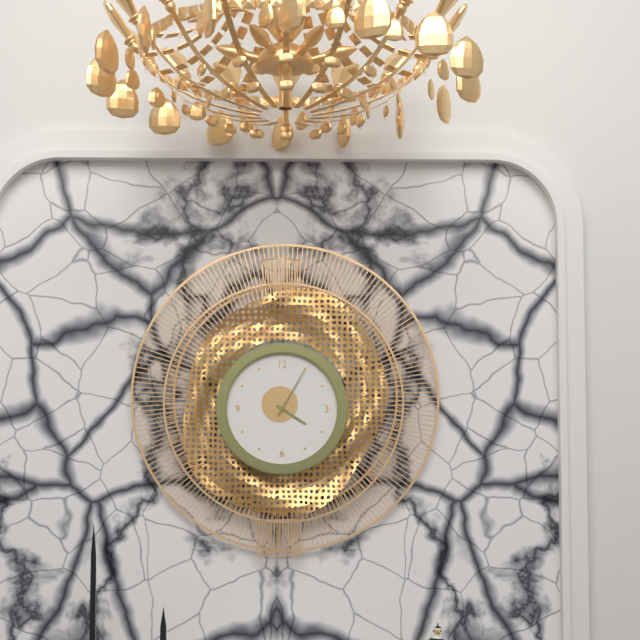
4:05
